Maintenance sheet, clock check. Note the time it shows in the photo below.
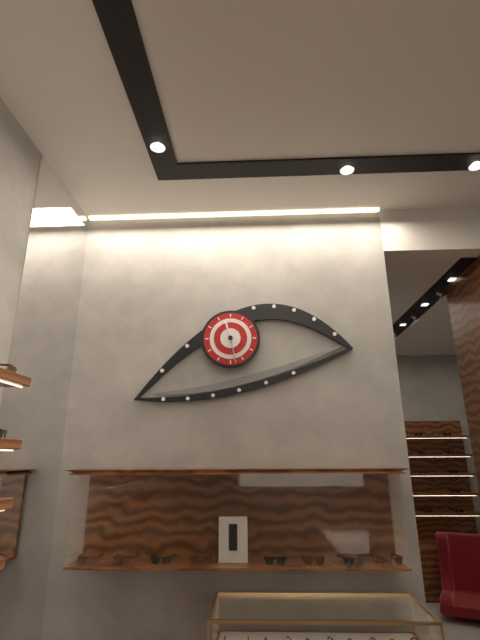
11:28
